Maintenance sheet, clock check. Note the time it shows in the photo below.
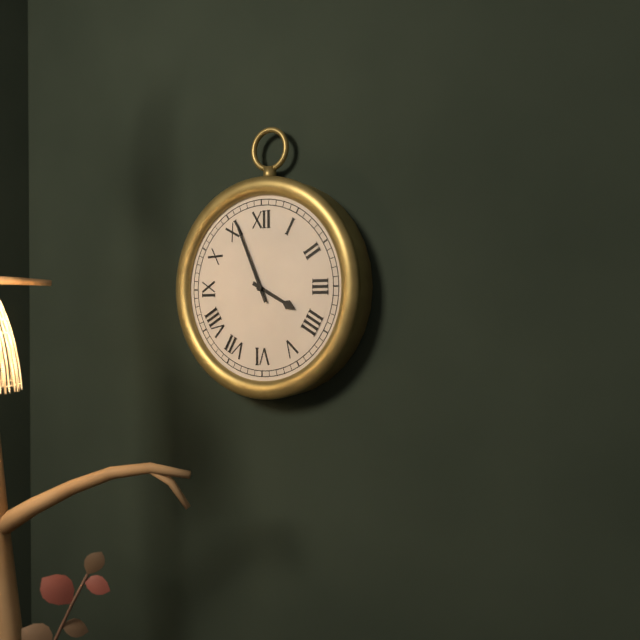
3:56
